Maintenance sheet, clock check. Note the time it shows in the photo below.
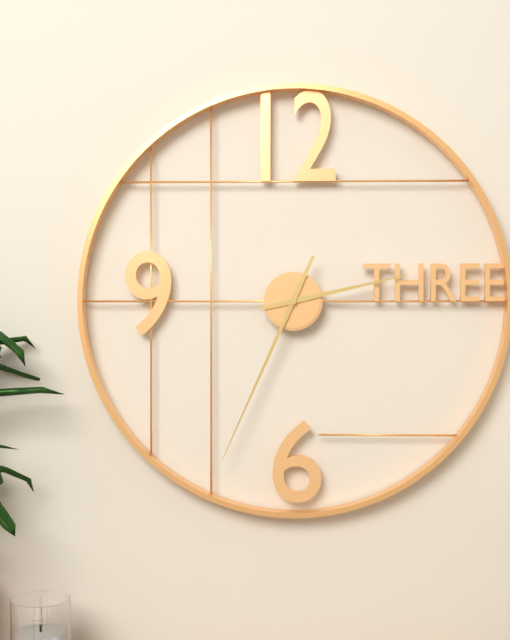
2:34
